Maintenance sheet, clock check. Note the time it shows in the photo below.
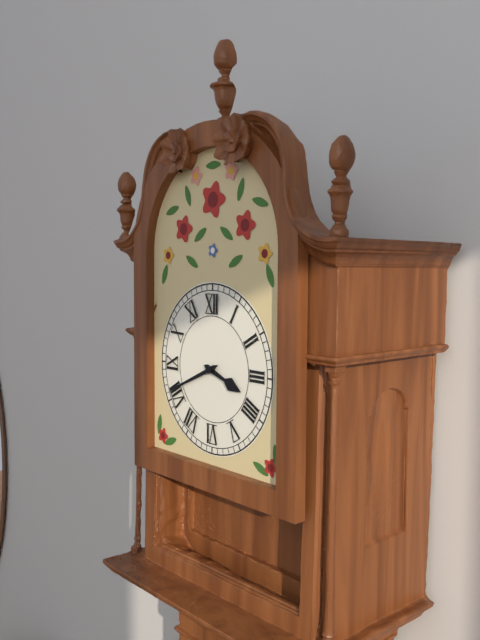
3:41
